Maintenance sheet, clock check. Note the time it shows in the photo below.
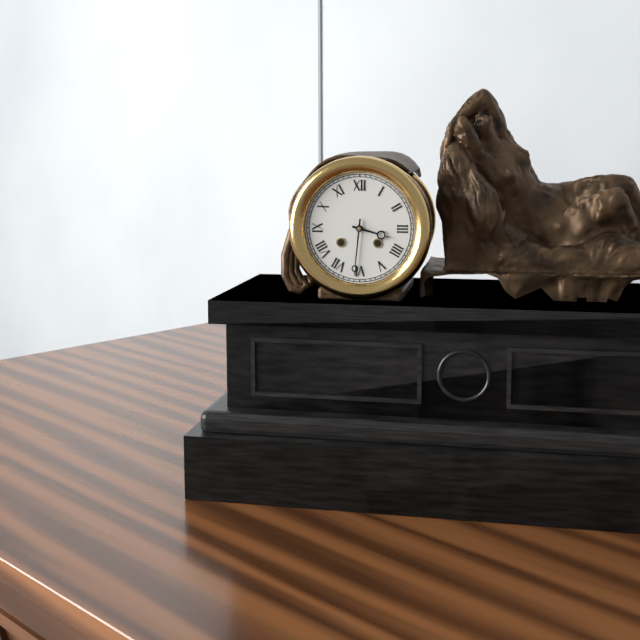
3:31
